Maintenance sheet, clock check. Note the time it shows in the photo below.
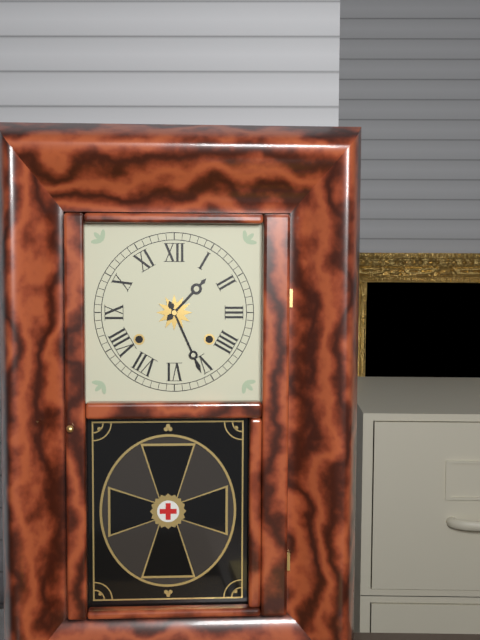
1:26
